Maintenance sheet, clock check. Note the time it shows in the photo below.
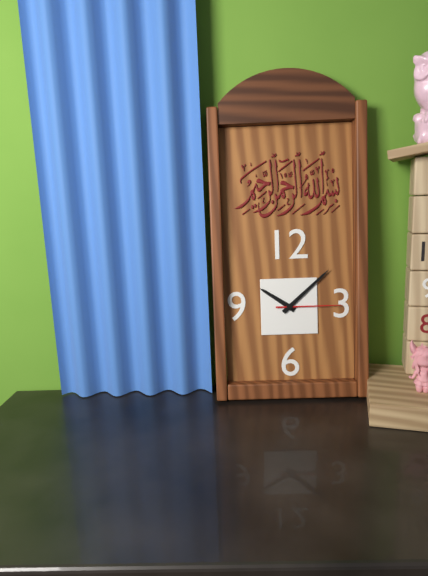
10:08:15
